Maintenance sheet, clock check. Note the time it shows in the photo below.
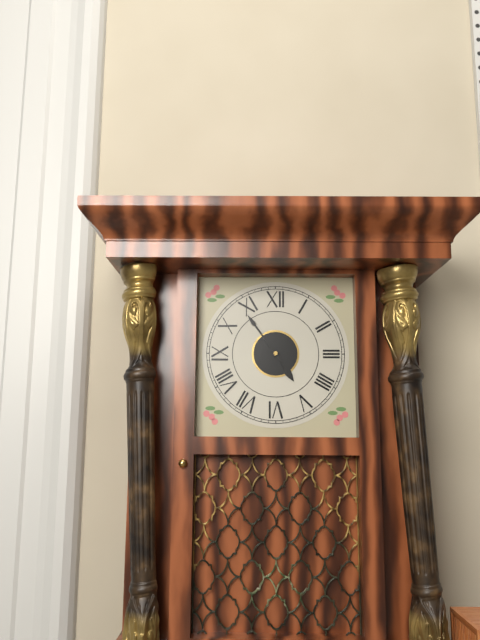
4:54
